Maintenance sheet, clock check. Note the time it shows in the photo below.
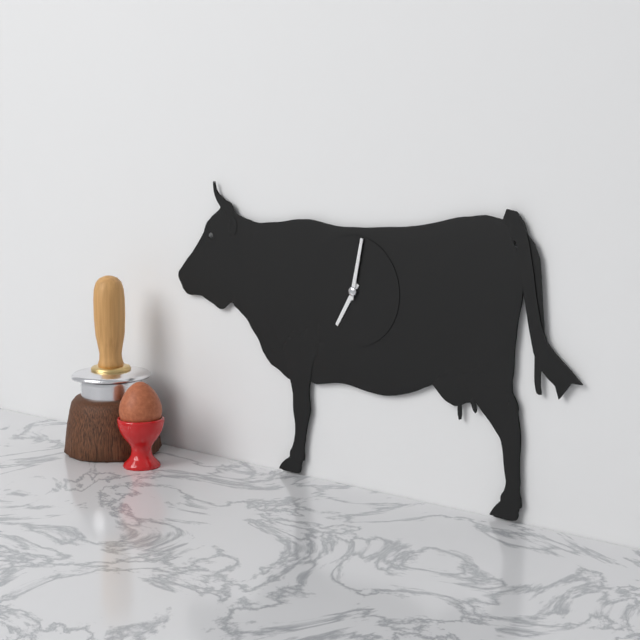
7:02
